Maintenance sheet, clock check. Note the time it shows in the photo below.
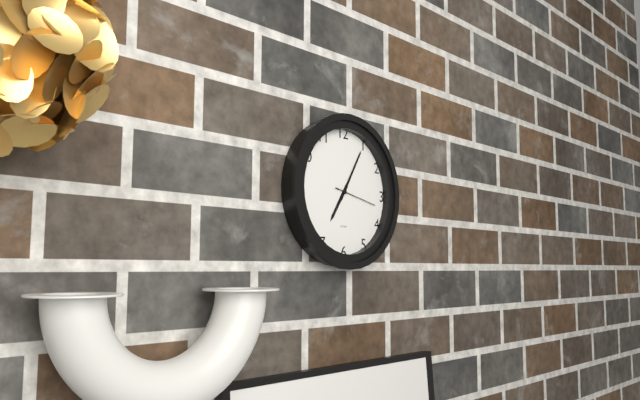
7:05
